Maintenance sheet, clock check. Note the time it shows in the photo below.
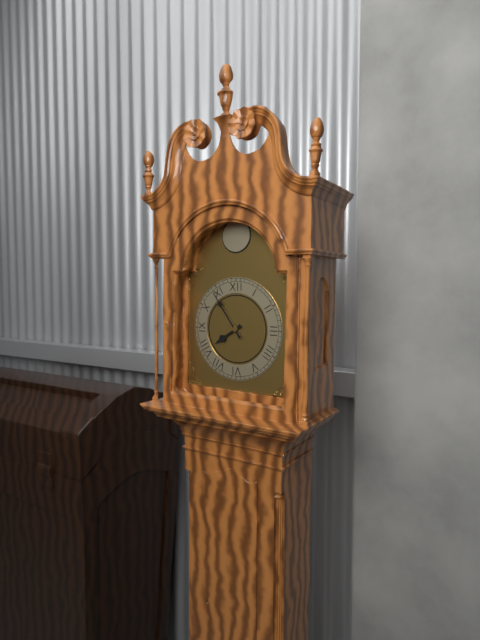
7:54
